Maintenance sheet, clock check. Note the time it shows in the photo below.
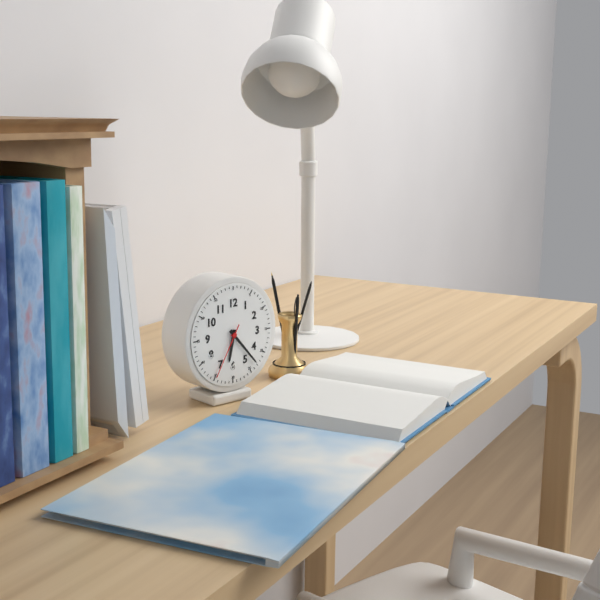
6:23:35
